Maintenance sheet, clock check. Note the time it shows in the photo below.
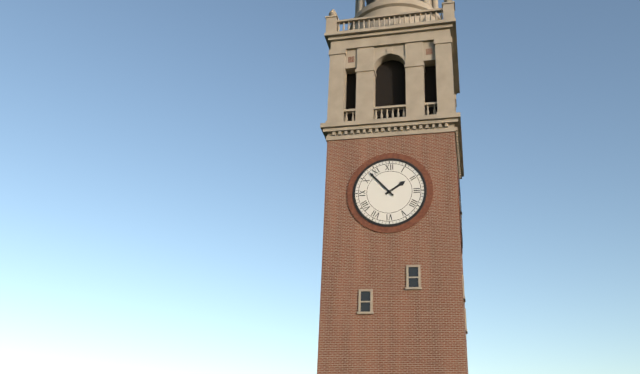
1:53
